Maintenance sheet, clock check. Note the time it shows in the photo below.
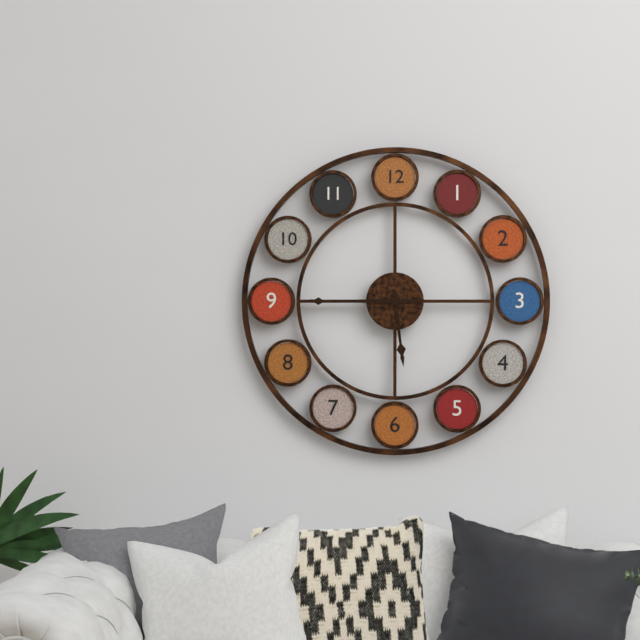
5:45
